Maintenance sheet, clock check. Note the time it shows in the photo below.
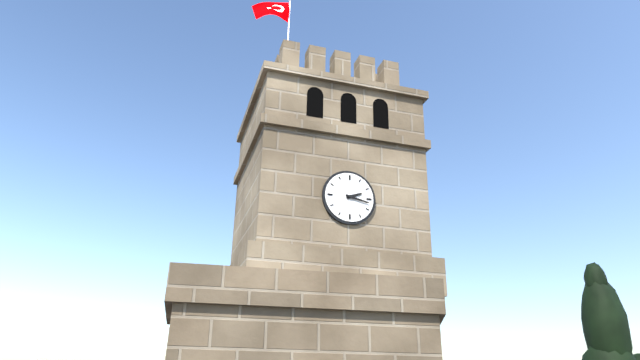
2:17
